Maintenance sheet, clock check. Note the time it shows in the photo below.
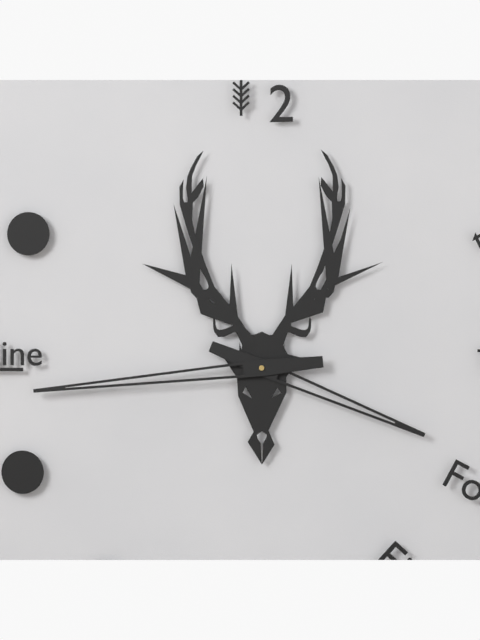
3:44
